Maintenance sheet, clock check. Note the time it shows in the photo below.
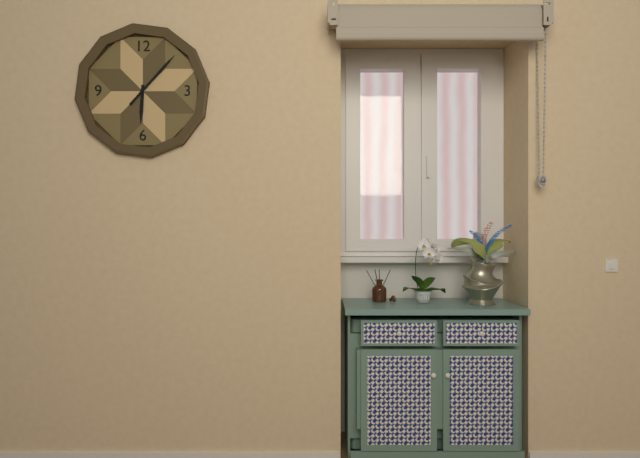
6:07
